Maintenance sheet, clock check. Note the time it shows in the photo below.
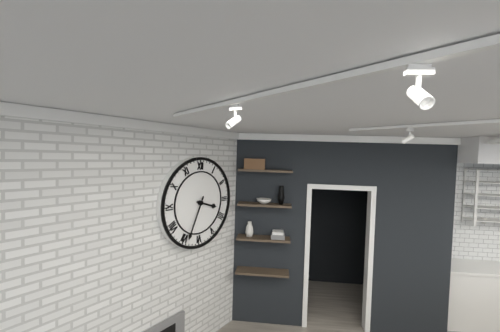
3:34
